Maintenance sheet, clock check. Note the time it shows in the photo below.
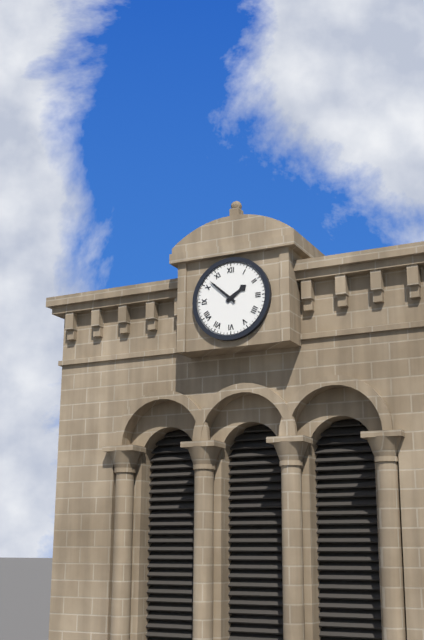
1:52
